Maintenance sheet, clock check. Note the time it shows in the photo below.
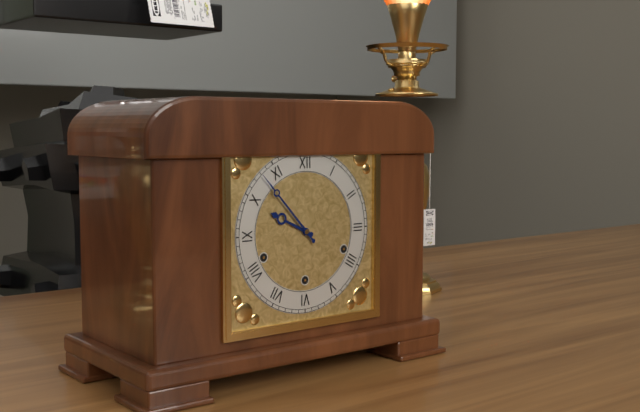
9:53
